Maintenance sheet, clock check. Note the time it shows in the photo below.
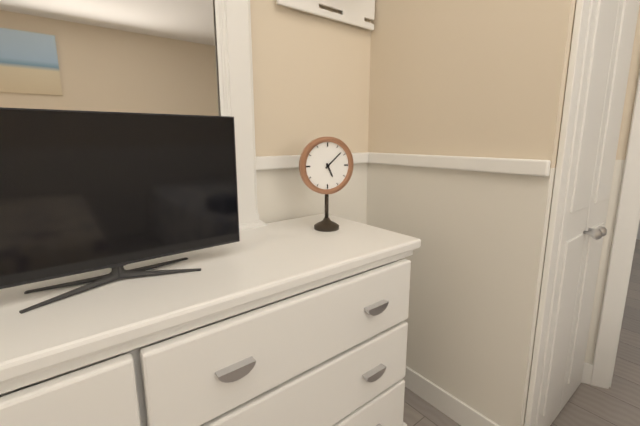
5:08
